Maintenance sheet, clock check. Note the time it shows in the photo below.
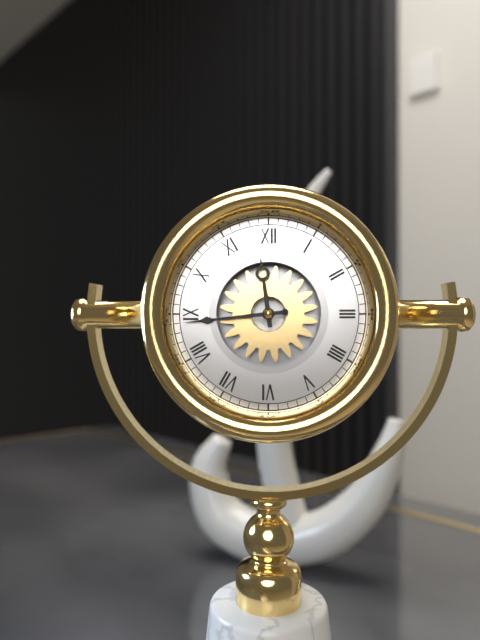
11:44
